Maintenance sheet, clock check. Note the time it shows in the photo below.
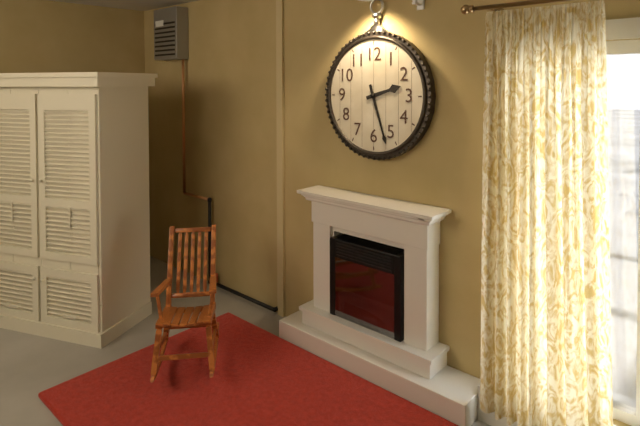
2:27
